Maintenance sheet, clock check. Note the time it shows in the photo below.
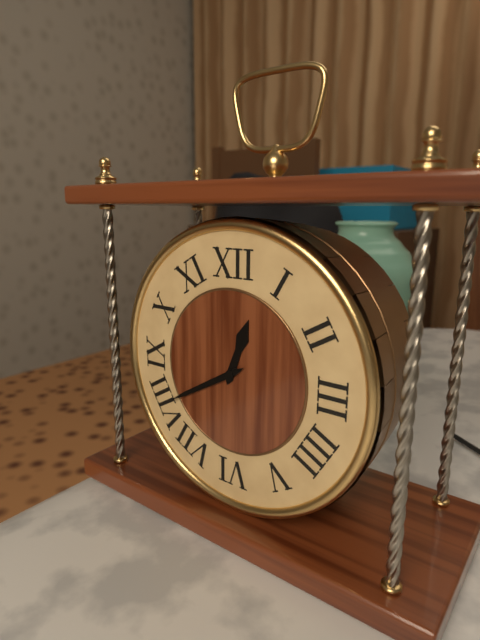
12:40
